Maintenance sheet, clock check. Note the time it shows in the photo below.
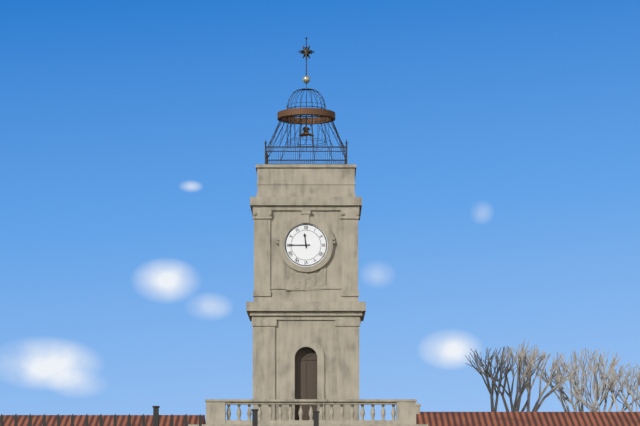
11:45
